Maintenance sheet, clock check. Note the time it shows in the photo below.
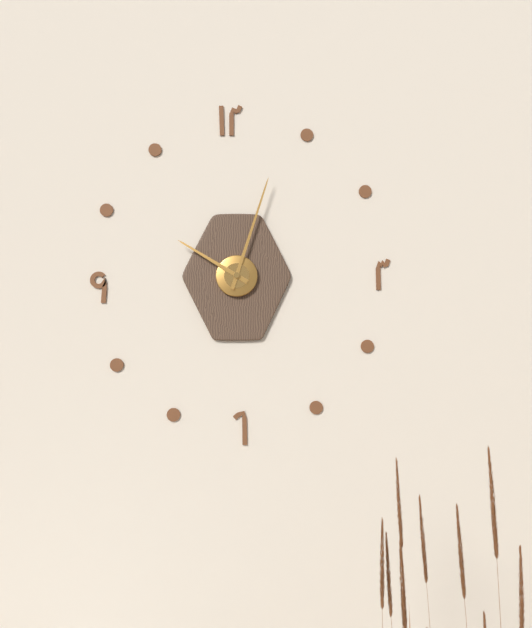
10:03
